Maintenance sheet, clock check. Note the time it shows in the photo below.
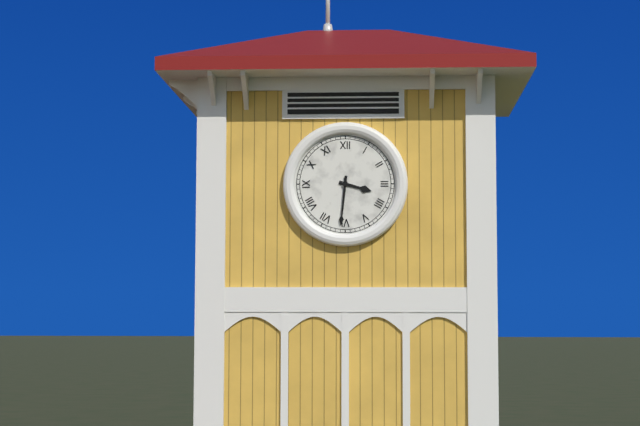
3:31
